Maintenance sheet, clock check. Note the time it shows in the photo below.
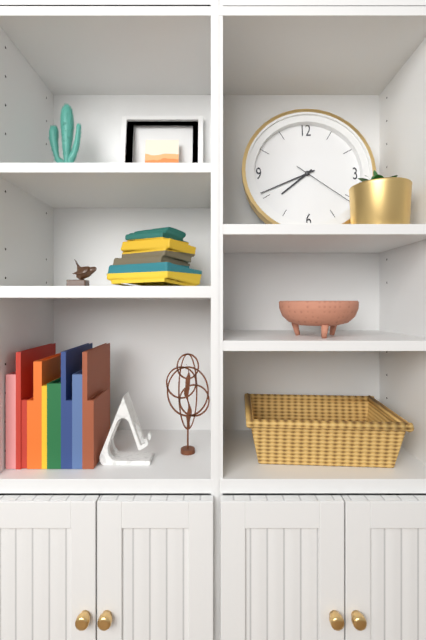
7:41:21
